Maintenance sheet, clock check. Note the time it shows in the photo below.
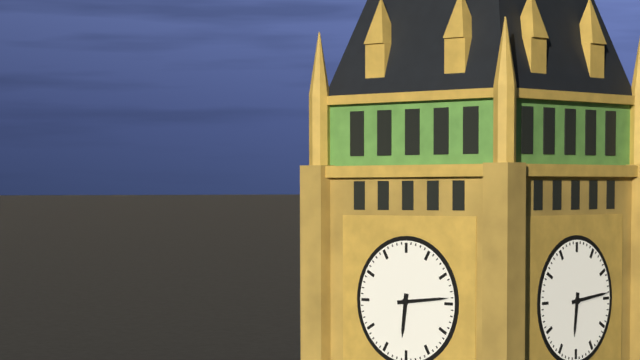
6:14
